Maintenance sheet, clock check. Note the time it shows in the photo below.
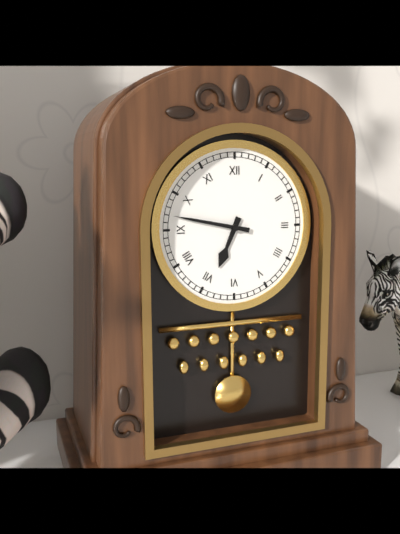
6:47
